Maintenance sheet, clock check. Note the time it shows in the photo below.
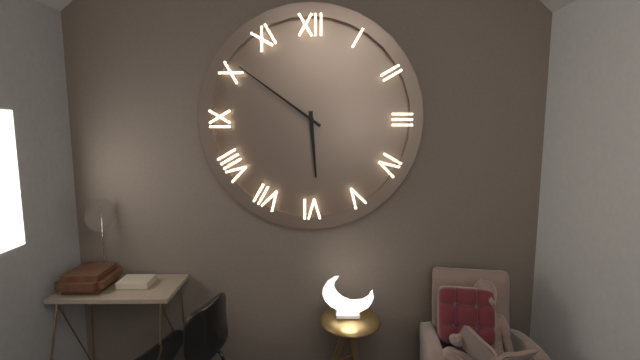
5:51
